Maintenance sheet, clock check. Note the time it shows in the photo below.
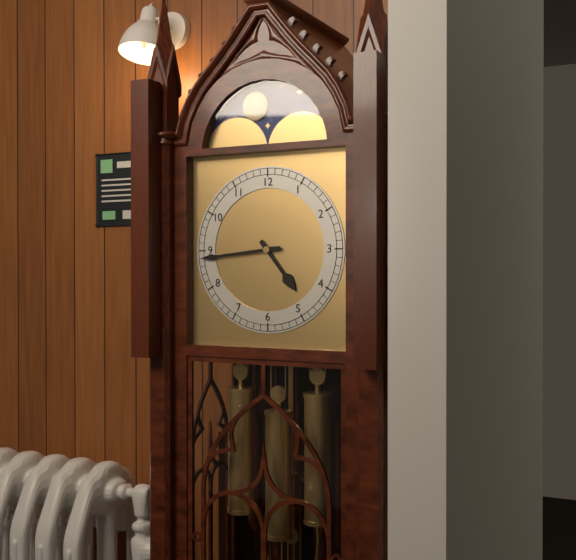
4:44
